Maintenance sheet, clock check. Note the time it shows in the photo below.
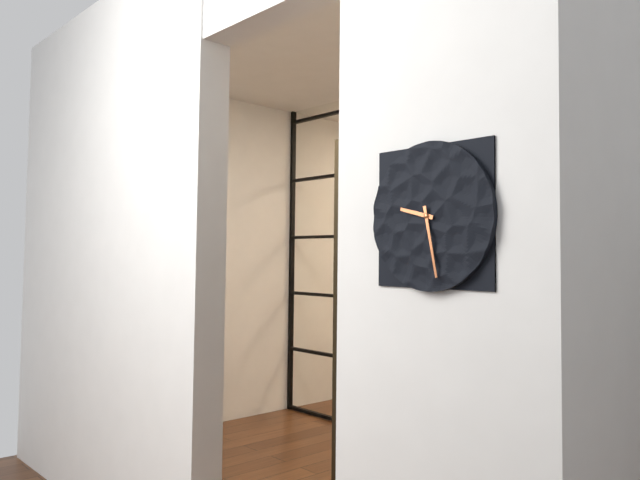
9:28
